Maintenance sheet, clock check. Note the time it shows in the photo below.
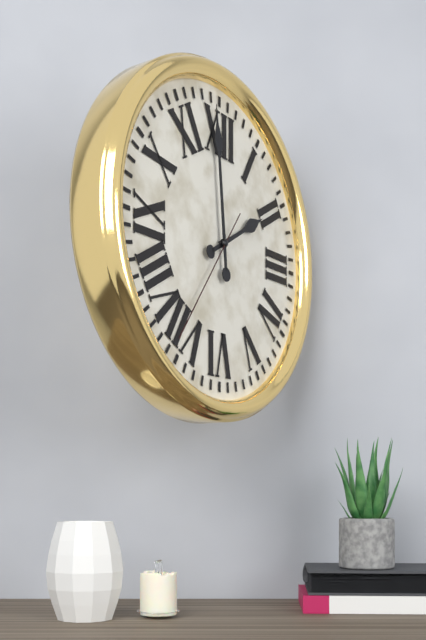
1:59:36
